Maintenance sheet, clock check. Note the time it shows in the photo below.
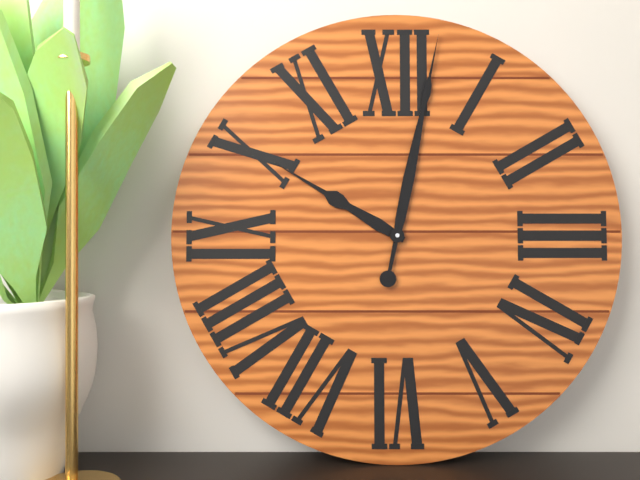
10:02
